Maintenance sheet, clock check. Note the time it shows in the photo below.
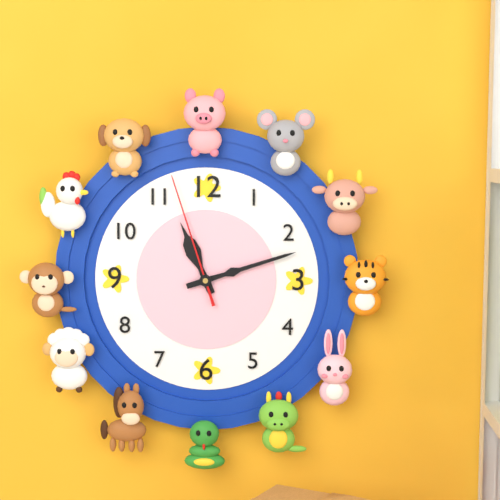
11:12:57
